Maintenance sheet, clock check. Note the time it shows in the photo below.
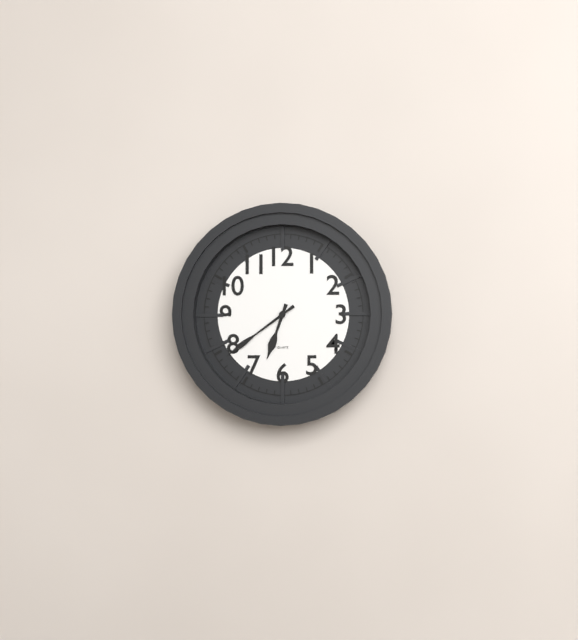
6:39
